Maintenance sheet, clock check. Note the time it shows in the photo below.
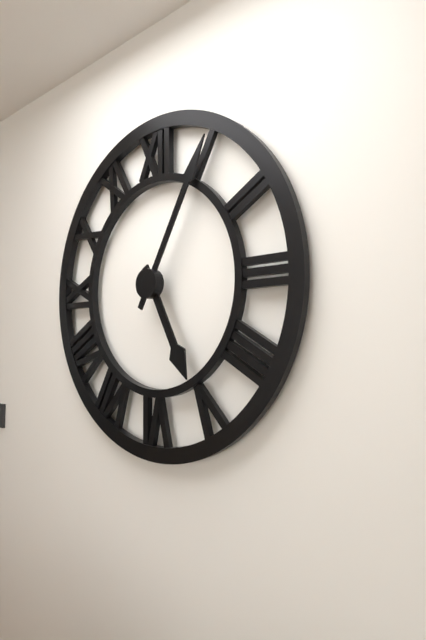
5:05
